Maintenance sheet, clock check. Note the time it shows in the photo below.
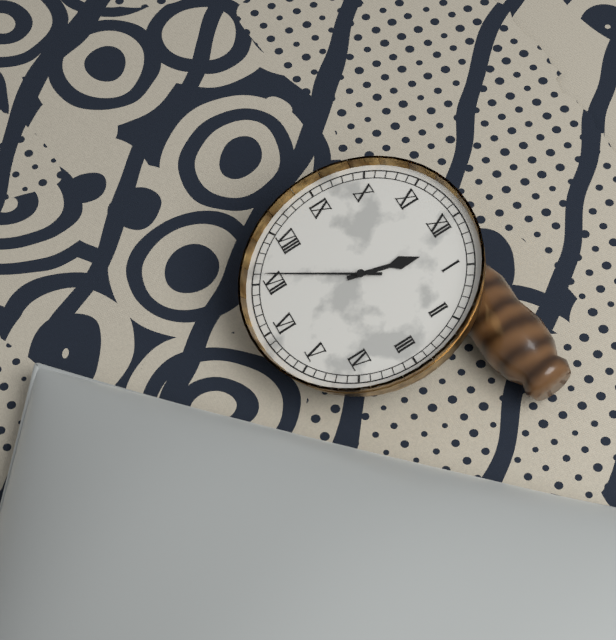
12:36
